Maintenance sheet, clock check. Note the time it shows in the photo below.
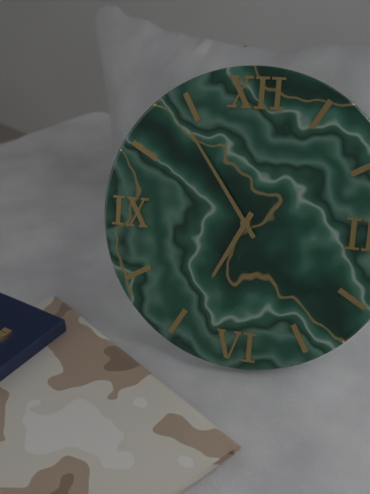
6:54
